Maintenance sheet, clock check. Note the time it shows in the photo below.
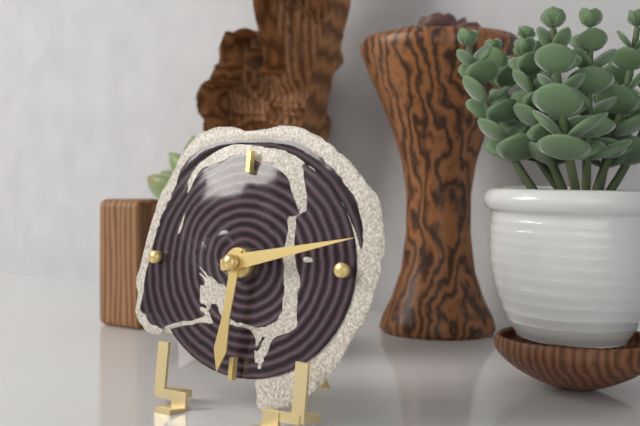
6:13
